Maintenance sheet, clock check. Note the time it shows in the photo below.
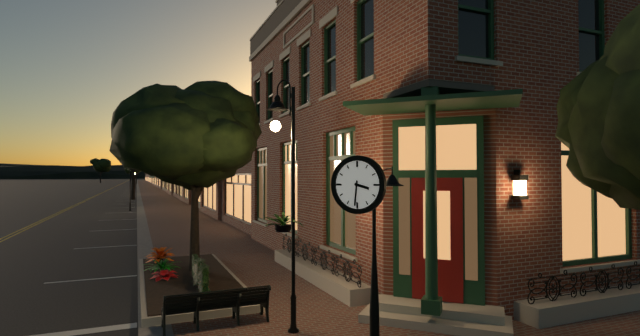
3:31
